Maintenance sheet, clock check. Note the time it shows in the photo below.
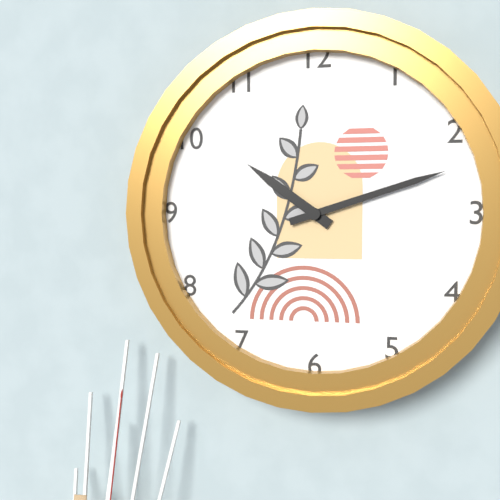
10:12
